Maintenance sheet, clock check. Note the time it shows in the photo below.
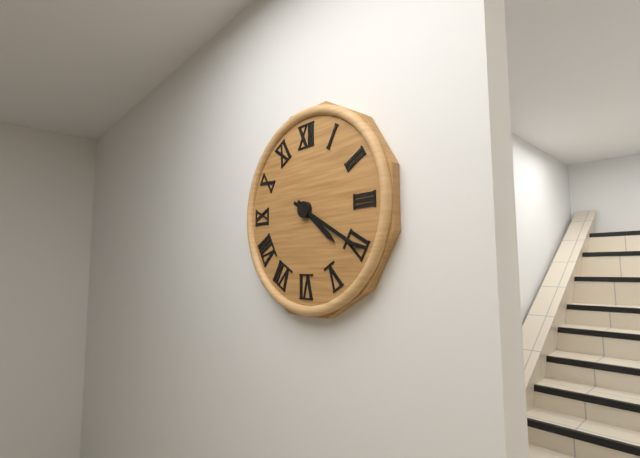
4:20
